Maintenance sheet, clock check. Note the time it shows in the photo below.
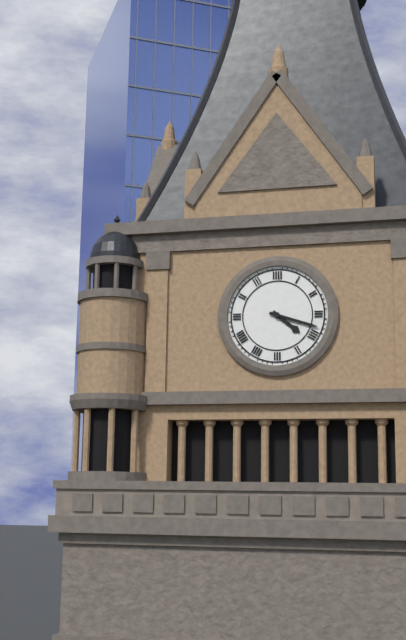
4:18
